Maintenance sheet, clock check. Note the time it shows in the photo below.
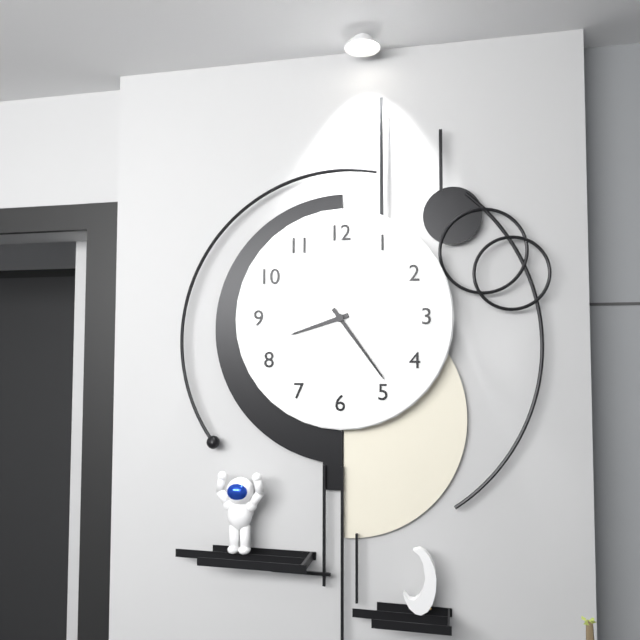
8:24
